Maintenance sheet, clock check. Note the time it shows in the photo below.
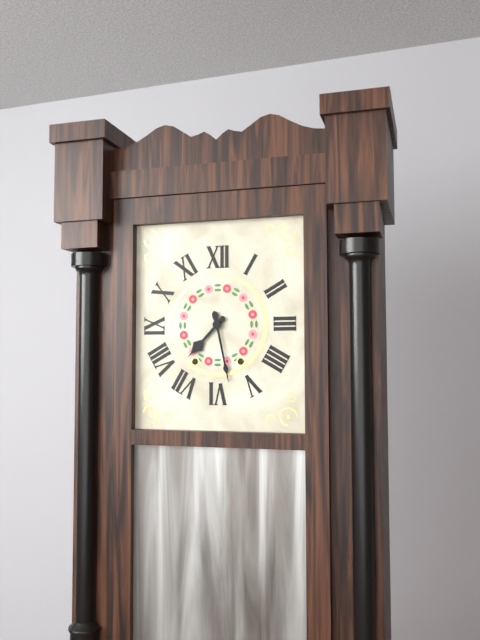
7:28
